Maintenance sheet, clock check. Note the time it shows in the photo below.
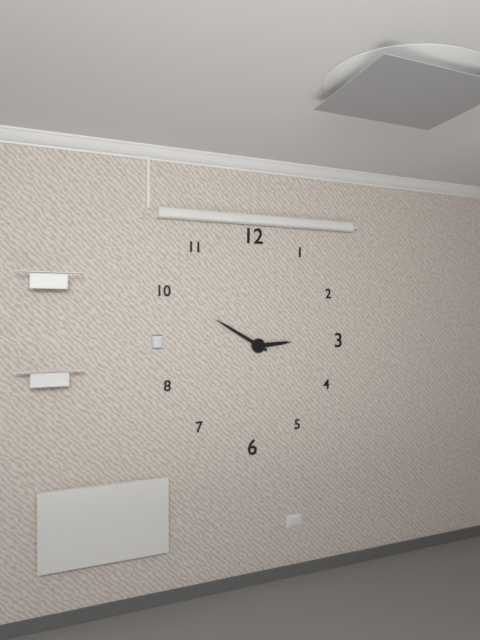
2:50
